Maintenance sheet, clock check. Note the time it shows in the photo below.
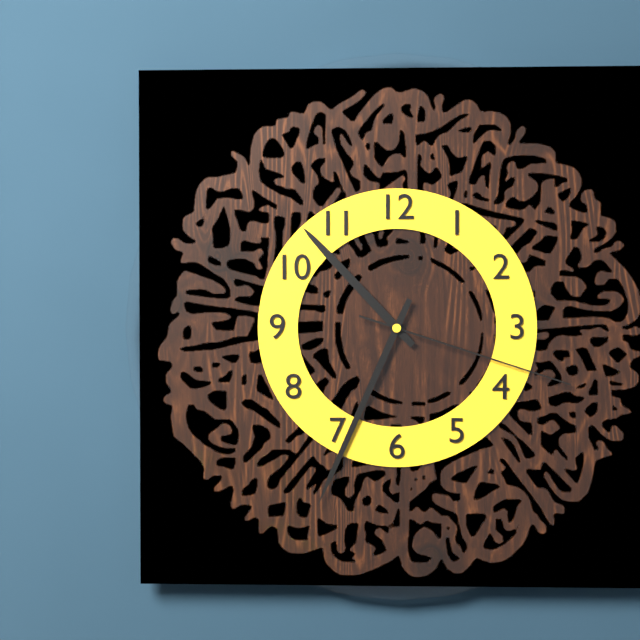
10:34:18
